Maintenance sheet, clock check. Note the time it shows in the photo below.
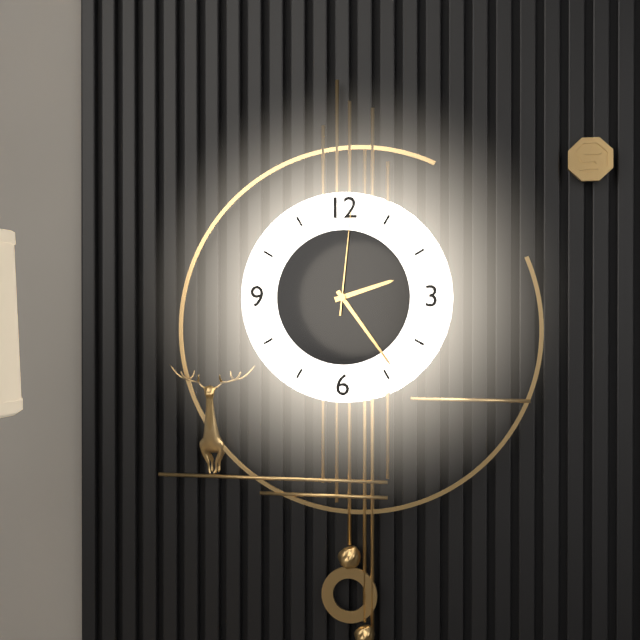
2:24:01
